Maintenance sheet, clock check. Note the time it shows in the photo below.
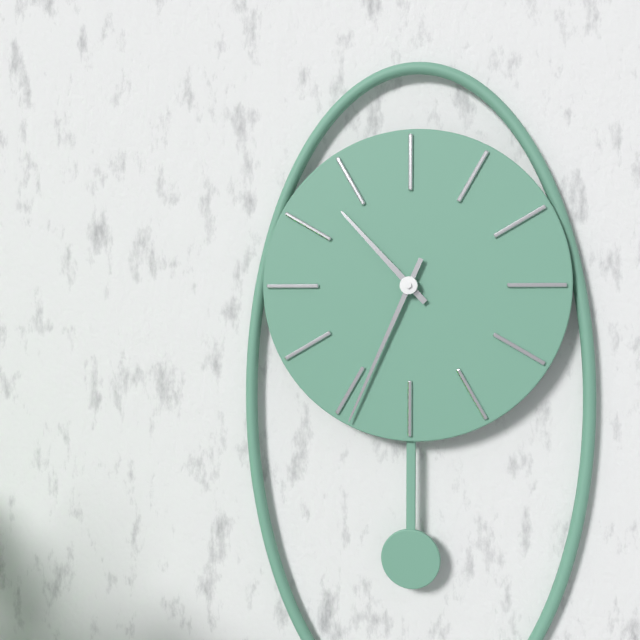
10:34
